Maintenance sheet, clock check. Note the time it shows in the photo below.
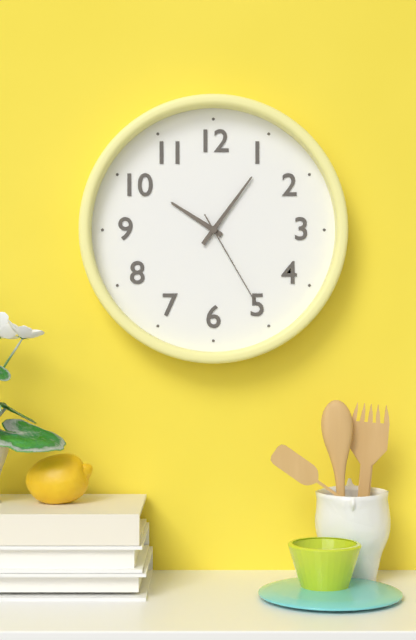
10:06:25
